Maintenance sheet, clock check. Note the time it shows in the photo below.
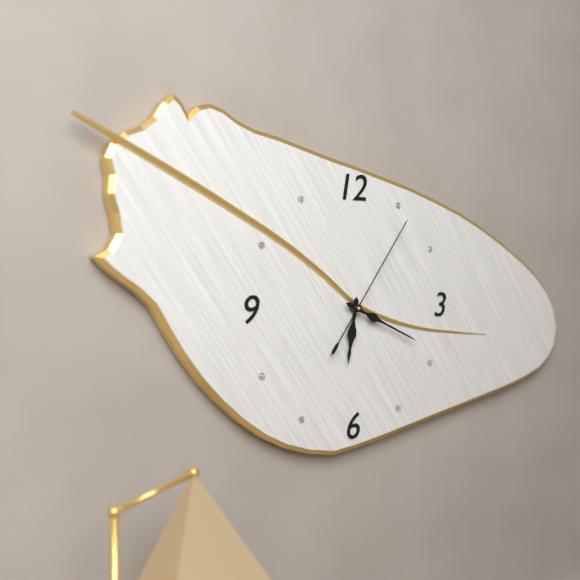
6:19:06
